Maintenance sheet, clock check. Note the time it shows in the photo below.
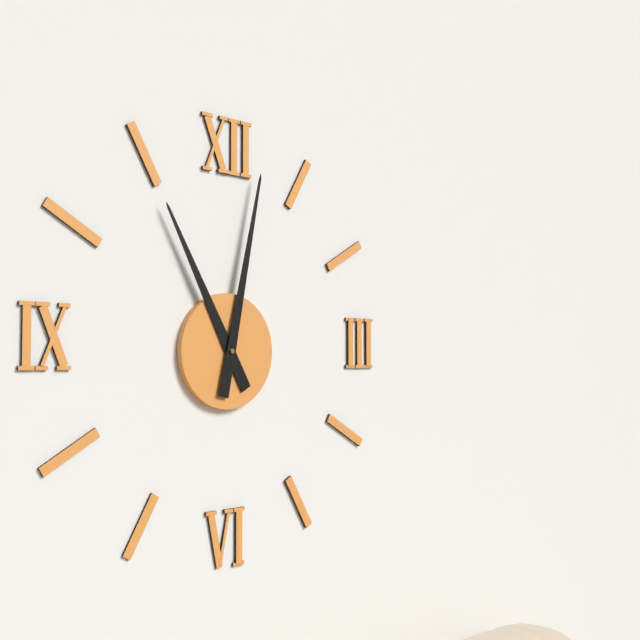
11:02
